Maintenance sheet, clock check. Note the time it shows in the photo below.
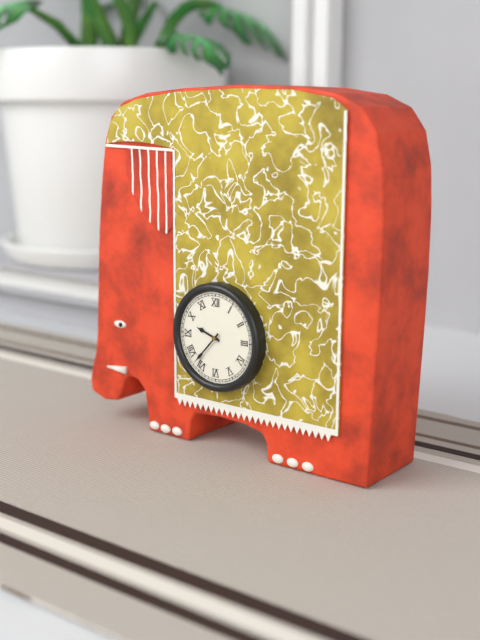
9:37
